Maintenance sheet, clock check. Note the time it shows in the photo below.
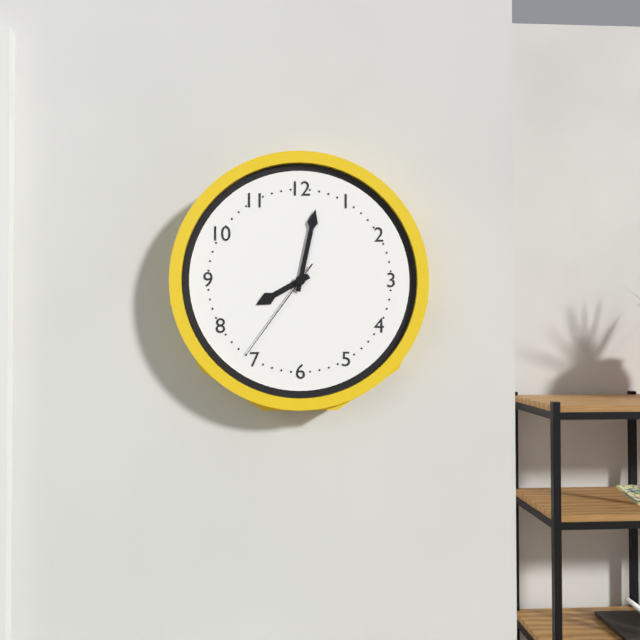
8:02:36
